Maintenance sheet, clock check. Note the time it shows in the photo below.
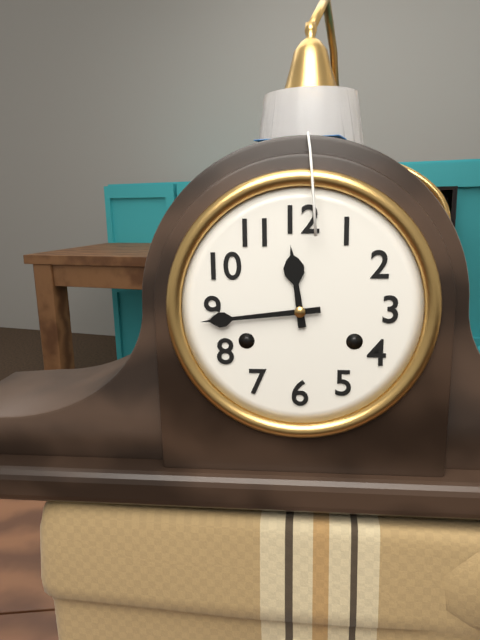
11:44
